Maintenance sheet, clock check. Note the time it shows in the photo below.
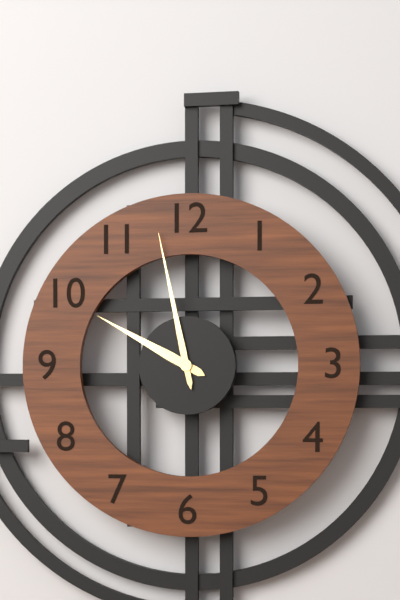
9:58
